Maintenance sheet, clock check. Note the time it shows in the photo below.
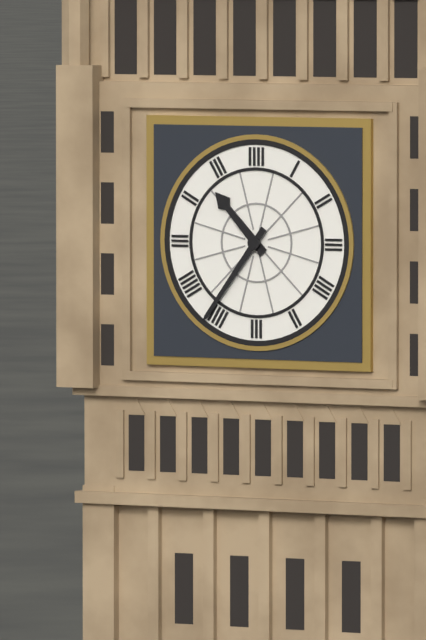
10:36
